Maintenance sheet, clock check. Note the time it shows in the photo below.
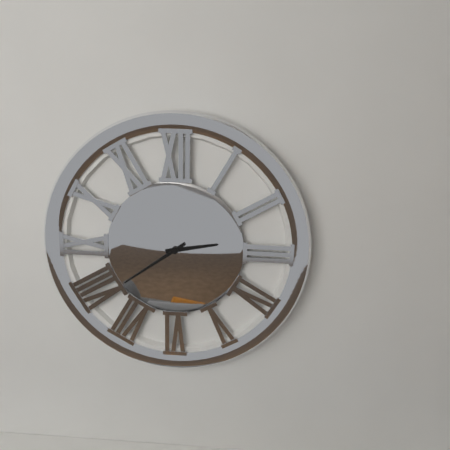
2:39
